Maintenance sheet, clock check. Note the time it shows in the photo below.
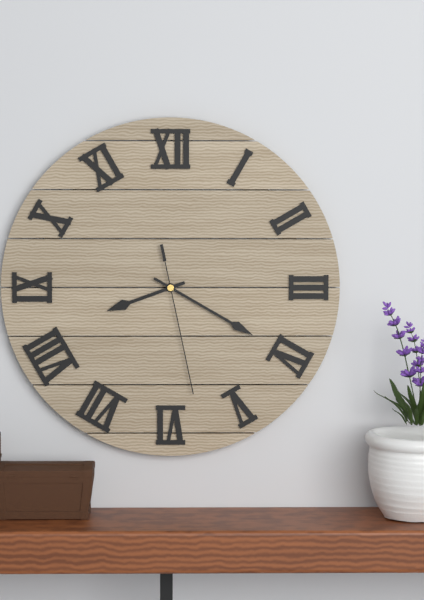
8:20:28
